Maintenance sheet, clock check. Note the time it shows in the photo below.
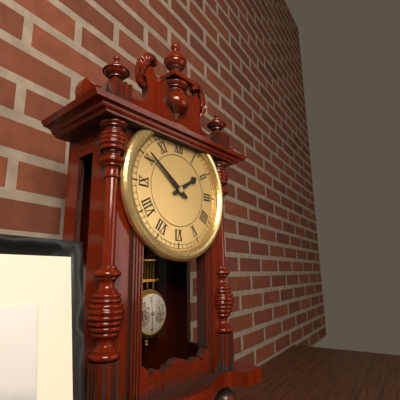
1:51
